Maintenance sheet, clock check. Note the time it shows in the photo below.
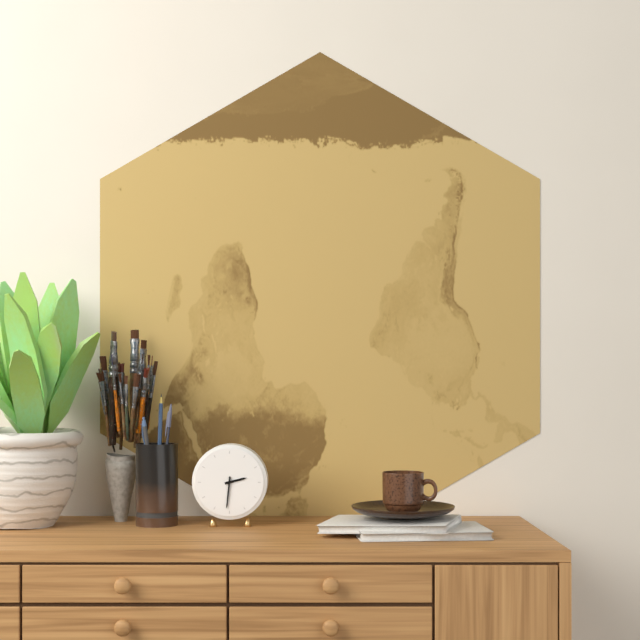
2:31
